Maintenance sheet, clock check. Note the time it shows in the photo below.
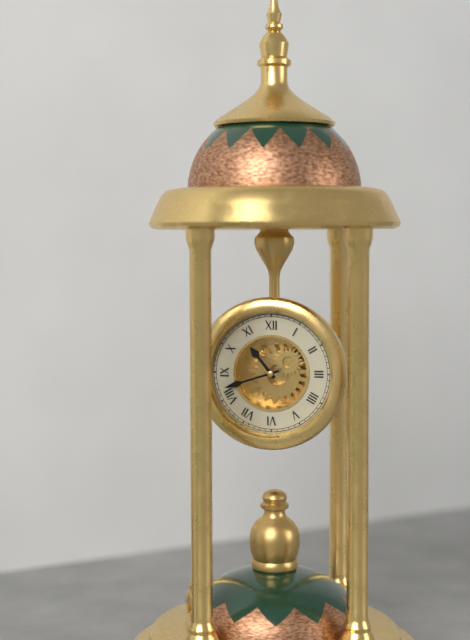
10:42
